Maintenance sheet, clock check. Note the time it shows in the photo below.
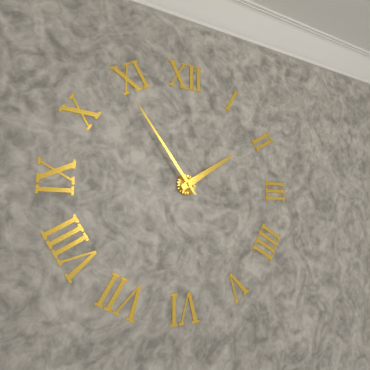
1:54
